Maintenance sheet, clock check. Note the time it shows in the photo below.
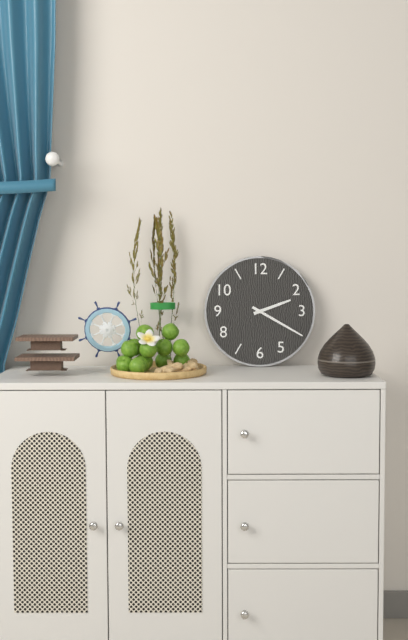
2:20
